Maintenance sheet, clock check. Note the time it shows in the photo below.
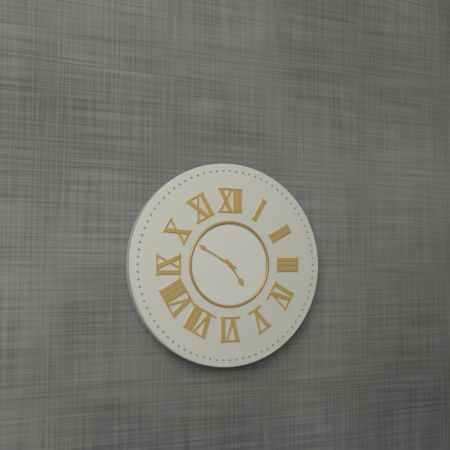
4:50
